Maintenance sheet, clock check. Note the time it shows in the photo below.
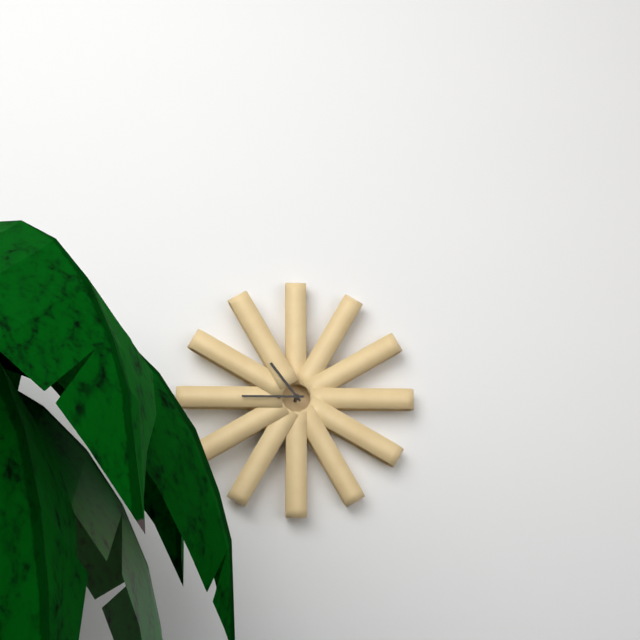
10:45
